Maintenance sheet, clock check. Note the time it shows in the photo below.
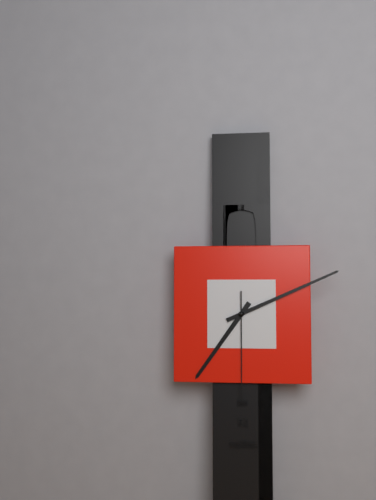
7:11:30
